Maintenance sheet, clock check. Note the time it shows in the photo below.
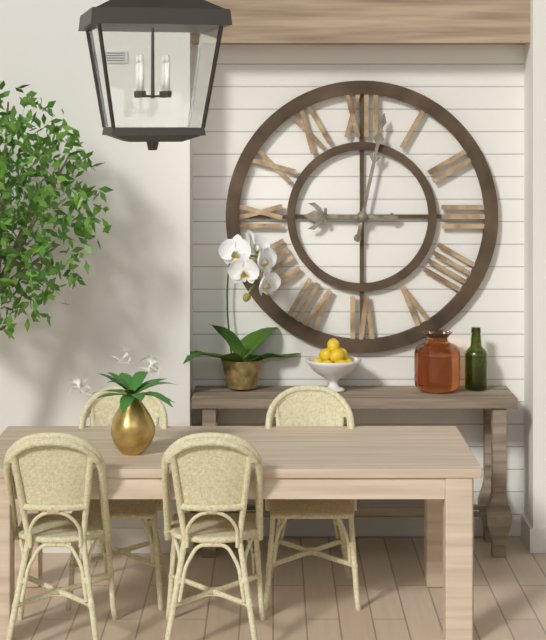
9:02
